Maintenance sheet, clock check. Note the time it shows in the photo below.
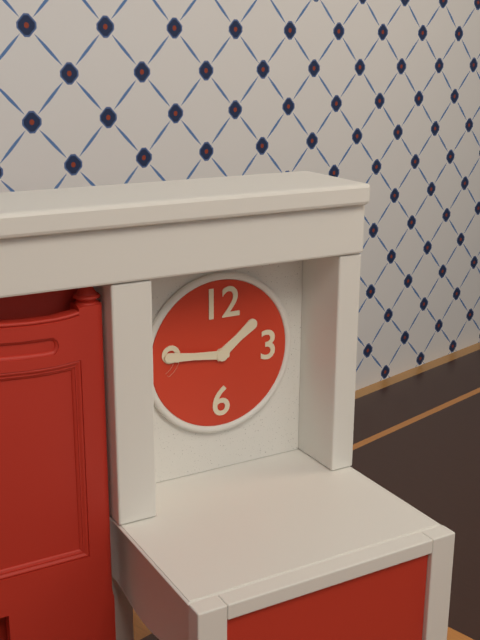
1:46
